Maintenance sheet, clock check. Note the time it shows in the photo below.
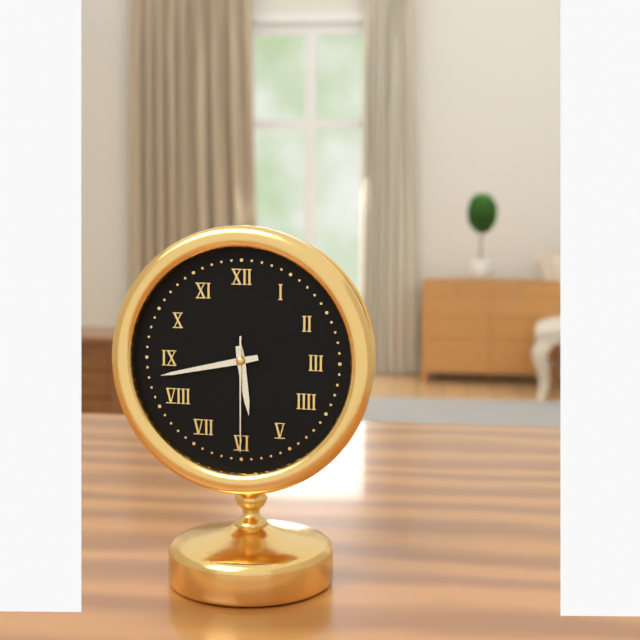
5:43:30
